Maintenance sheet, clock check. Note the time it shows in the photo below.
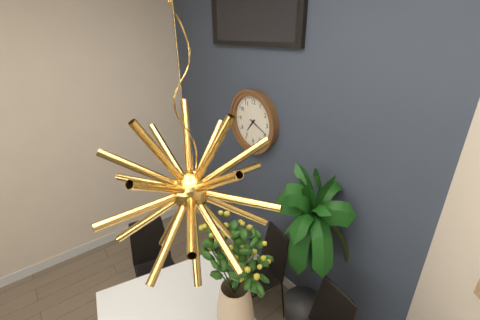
7:19
